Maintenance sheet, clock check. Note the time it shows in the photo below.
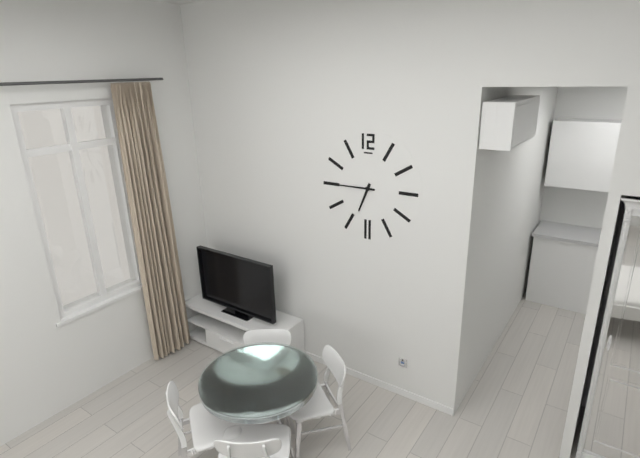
6:45
